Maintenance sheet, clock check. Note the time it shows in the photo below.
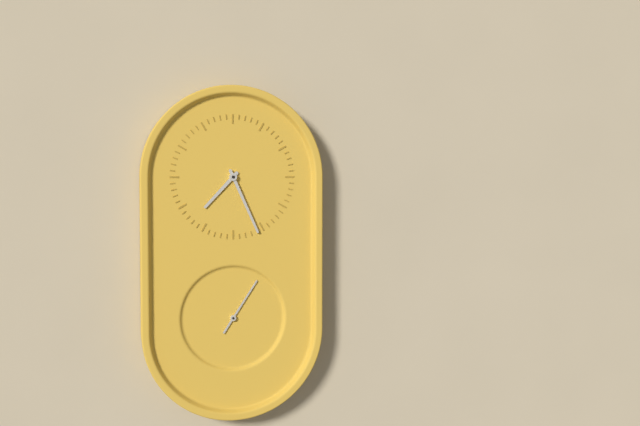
7:26
